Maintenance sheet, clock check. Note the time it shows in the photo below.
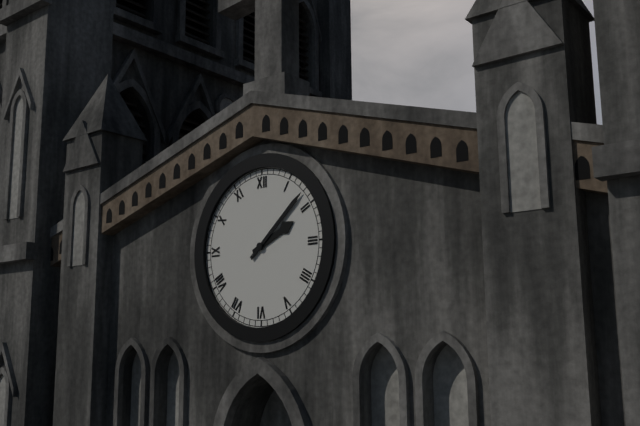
2:08
